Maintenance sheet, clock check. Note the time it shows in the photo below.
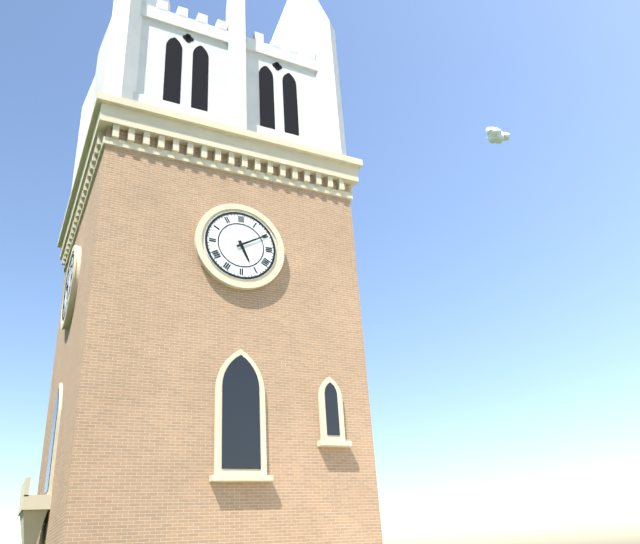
5:10
